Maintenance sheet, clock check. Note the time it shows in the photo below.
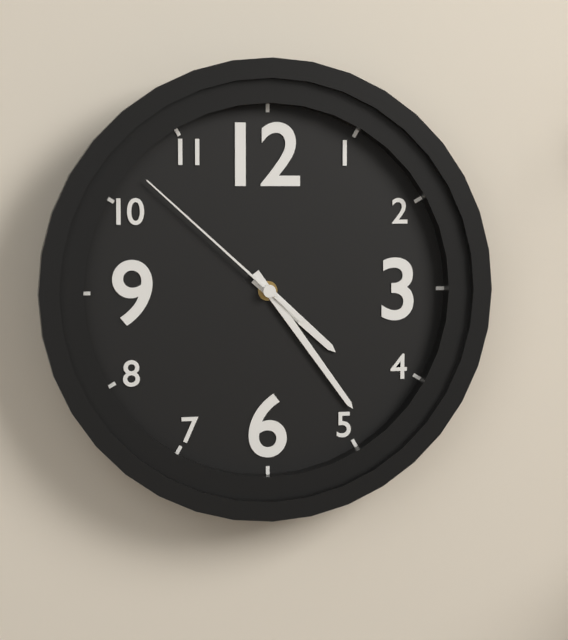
4:24:52
